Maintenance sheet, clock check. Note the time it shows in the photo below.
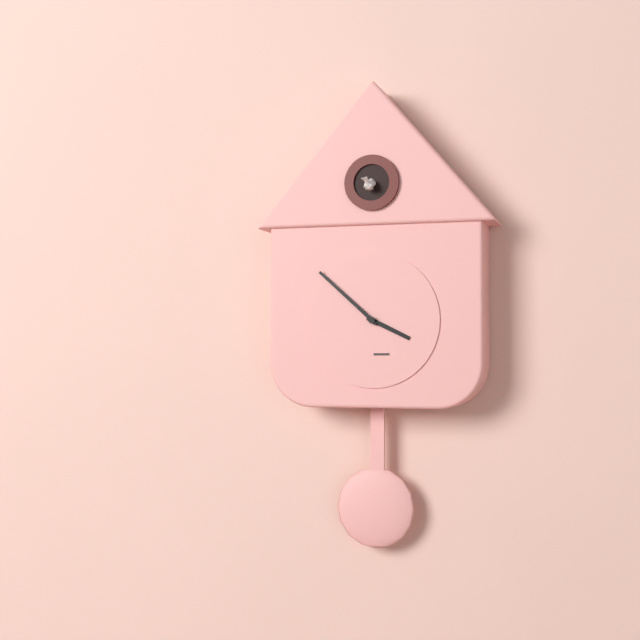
3:52
